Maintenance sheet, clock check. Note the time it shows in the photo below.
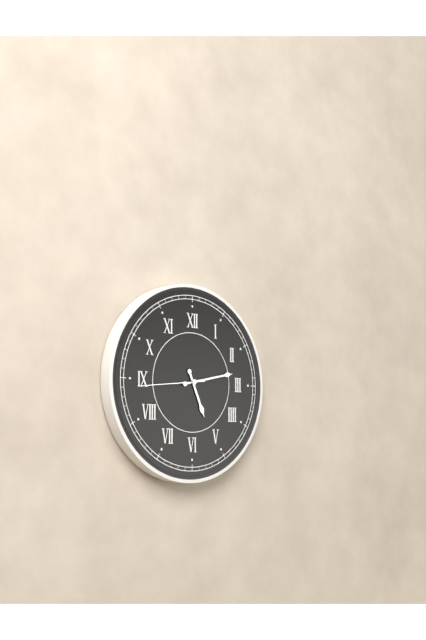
5:13:44
